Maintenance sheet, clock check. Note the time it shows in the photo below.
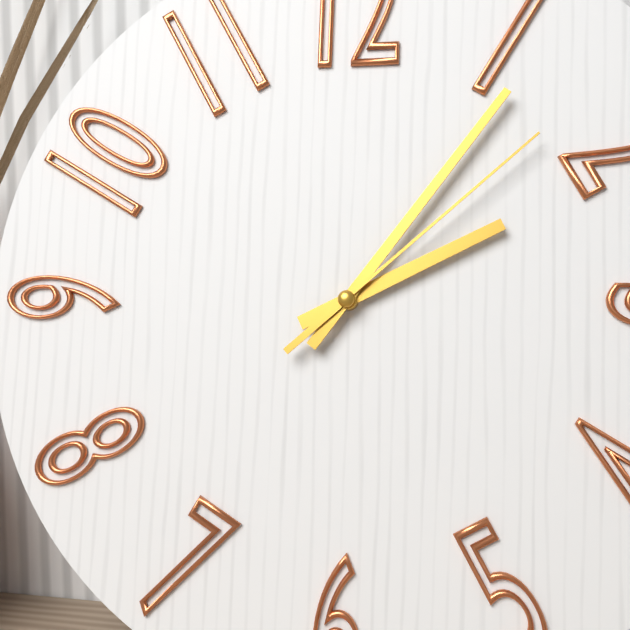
2:06:08
